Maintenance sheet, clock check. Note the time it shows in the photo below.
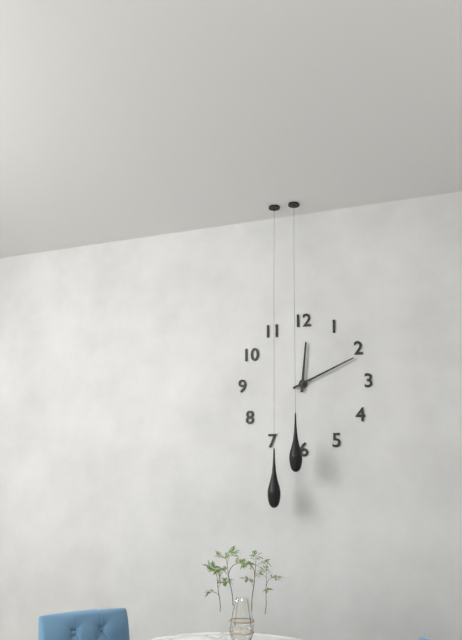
12:11
